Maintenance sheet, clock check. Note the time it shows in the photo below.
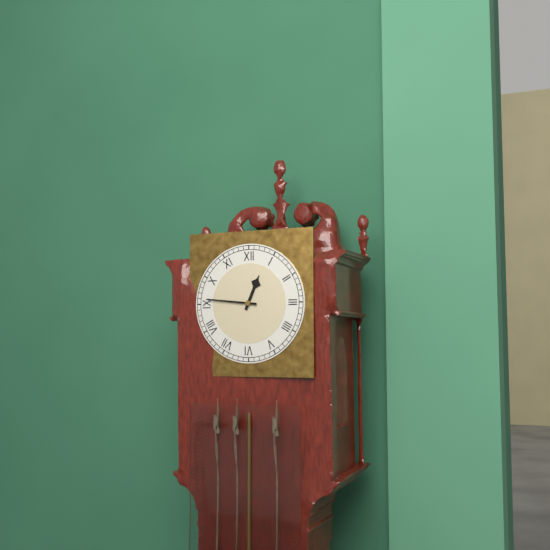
12:46
